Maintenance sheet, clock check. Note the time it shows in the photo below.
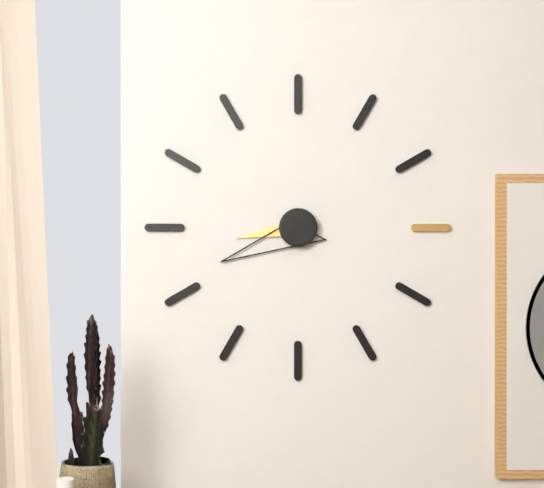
8:41
